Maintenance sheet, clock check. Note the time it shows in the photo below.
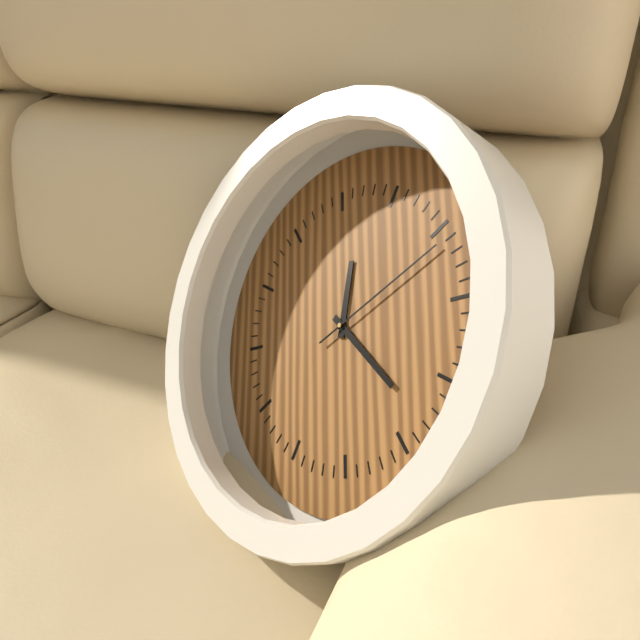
12:23:11
